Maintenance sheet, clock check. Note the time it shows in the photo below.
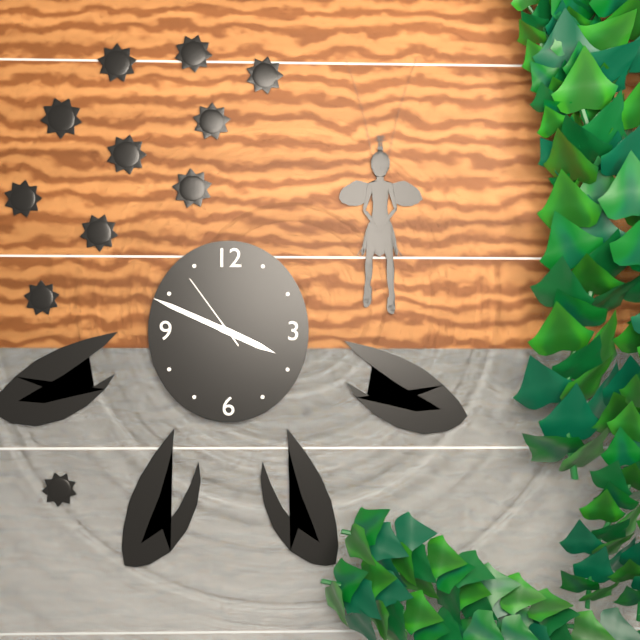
3:49:54
